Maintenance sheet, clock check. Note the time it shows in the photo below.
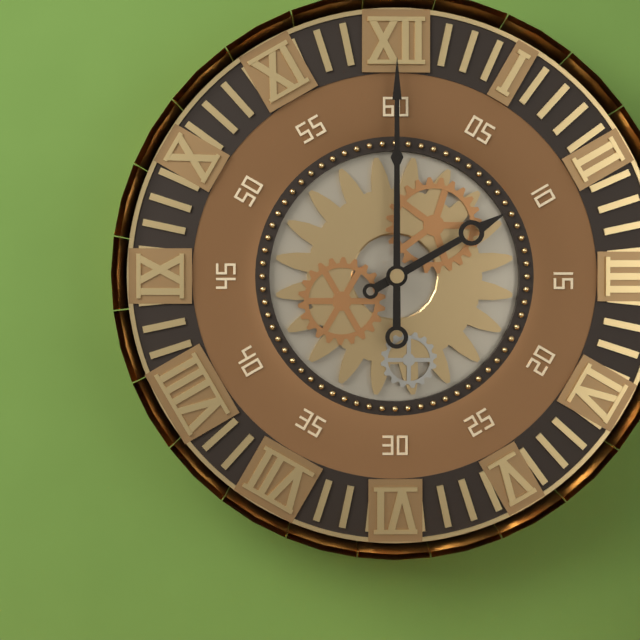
2:00
